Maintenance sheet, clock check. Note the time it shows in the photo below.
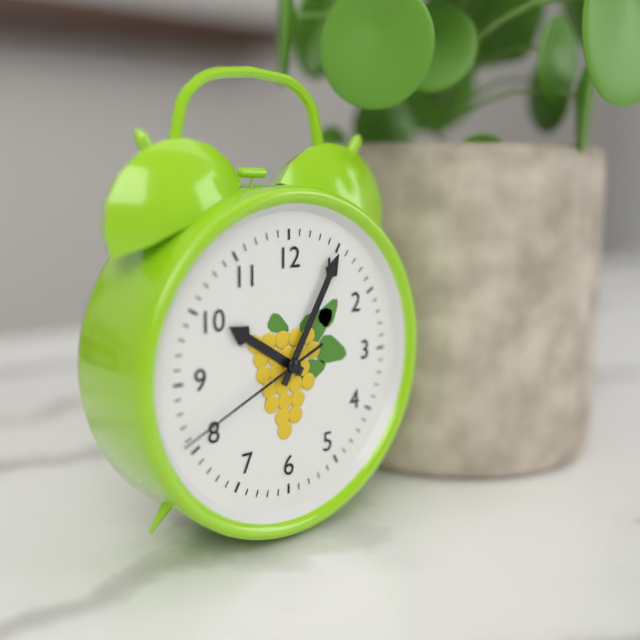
10:05:41
